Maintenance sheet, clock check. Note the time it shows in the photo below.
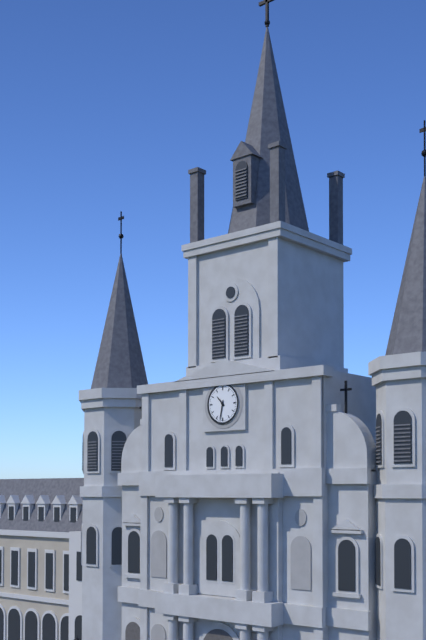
10:32
